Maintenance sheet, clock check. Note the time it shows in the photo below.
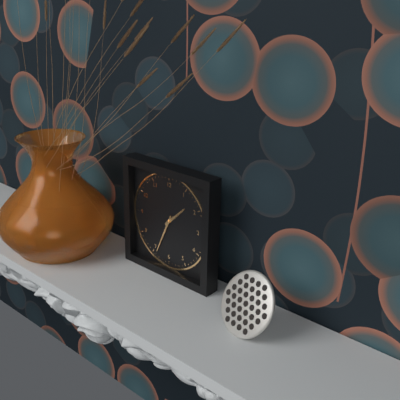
1:34
